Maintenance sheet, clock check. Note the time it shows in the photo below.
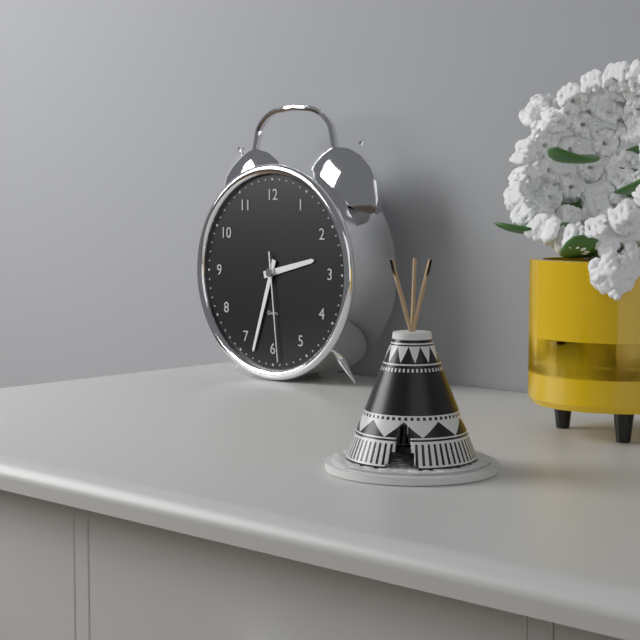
2:33:29
